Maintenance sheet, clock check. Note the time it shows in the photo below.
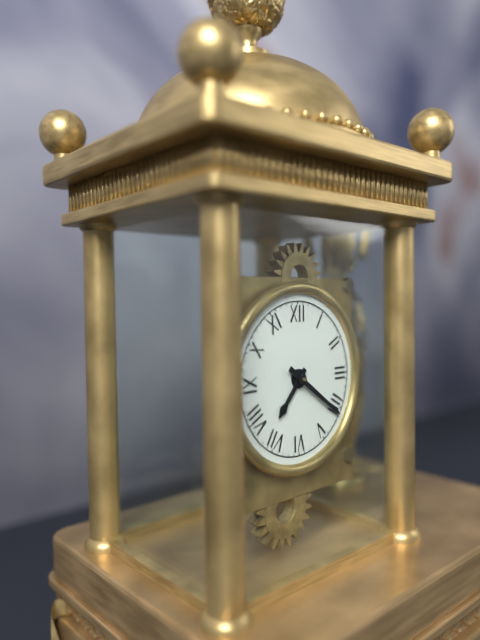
7:21
